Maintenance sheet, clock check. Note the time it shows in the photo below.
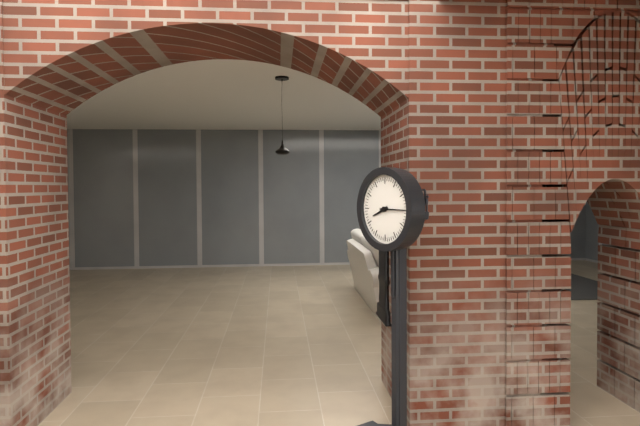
8:15
